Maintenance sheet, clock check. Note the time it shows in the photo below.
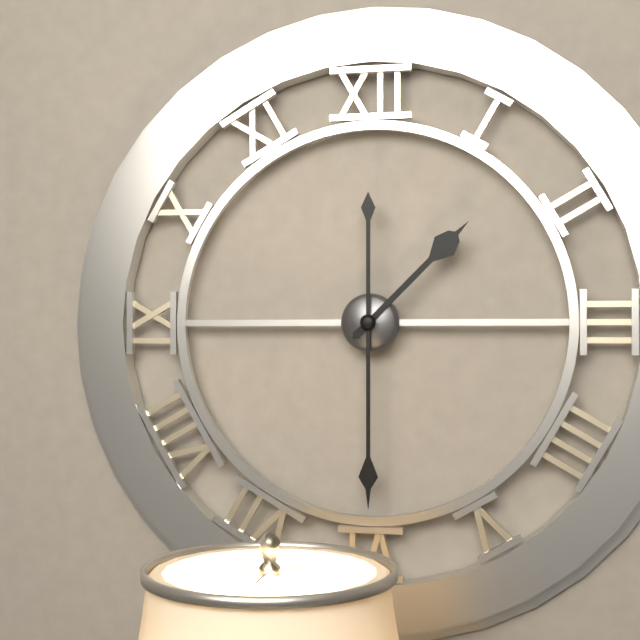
1:30
